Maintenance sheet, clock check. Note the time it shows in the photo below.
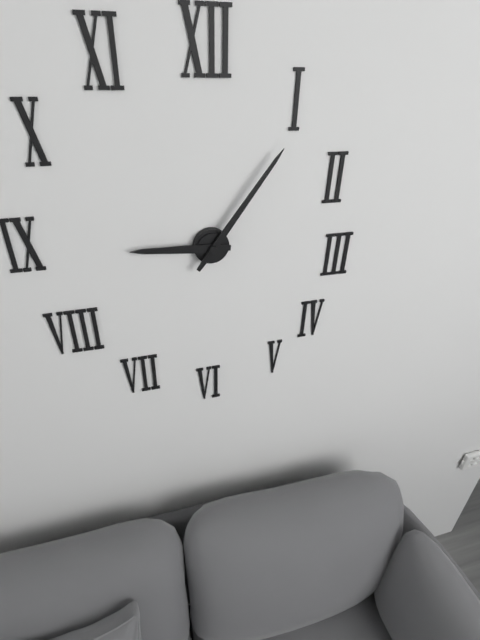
9:06
